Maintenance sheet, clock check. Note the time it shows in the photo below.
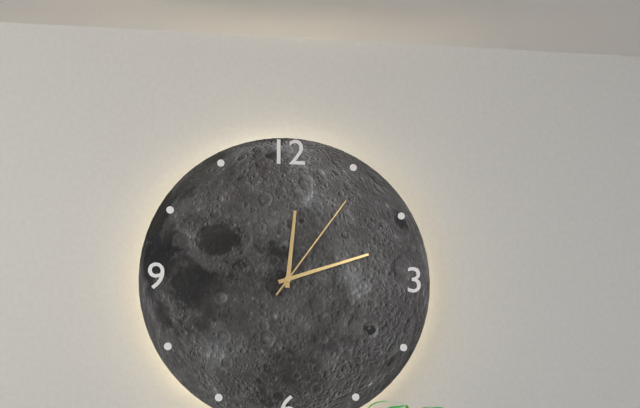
12:12:06
